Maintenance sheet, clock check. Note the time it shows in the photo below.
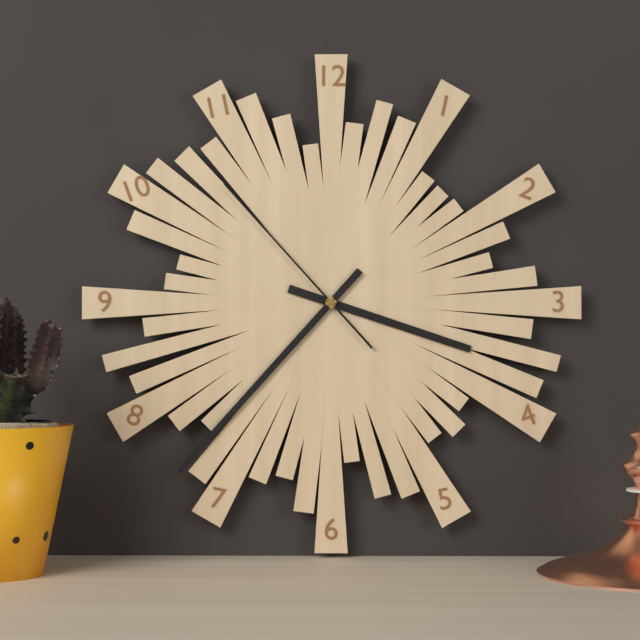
3:37:53
